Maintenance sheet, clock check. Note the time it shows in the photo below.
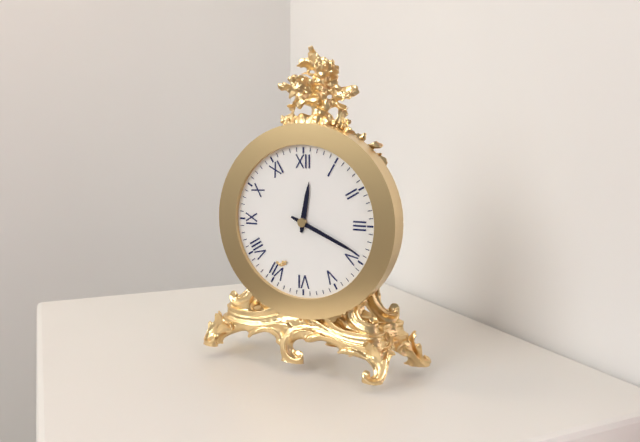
12:19
